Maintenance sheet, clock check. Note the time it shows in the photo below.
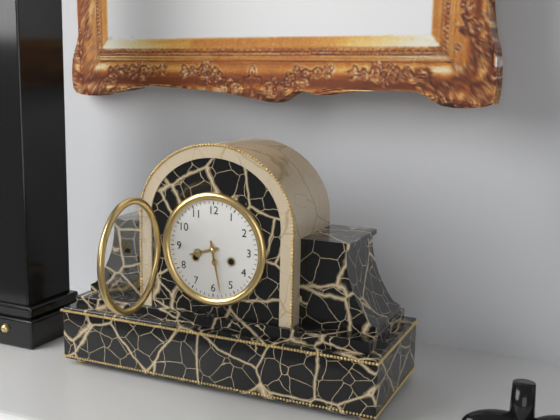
8:28
